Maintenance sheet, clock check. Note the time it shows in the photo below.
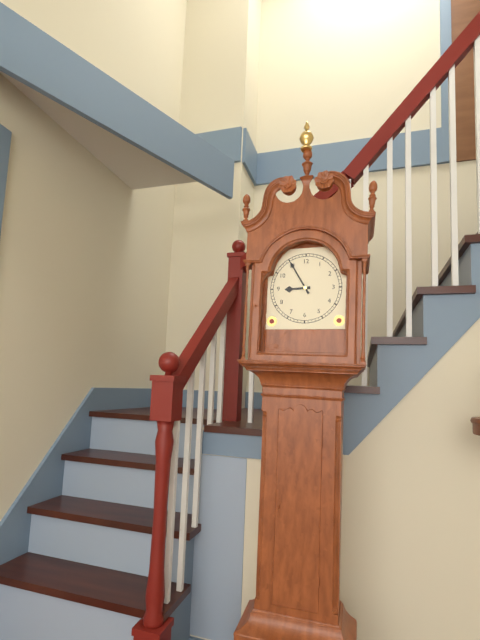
8:55
